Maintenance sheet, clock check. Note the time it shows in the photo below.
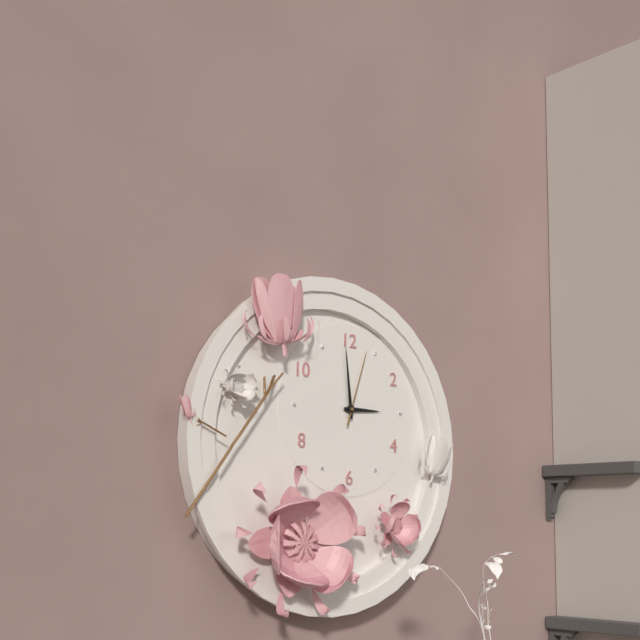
2:59:03
